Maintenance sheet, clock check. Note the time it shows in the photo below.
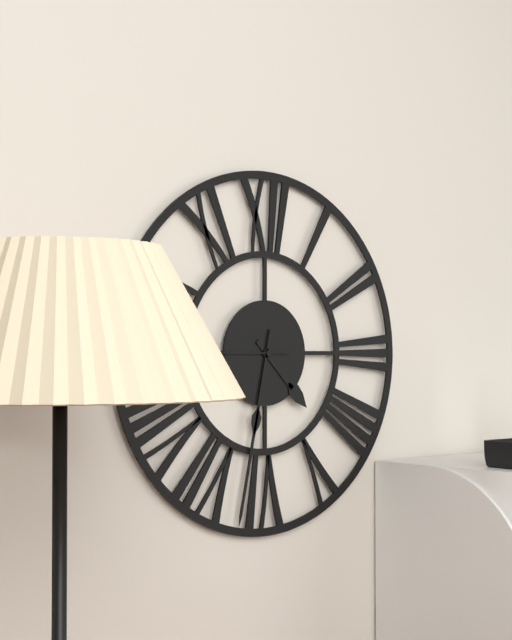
4:32
